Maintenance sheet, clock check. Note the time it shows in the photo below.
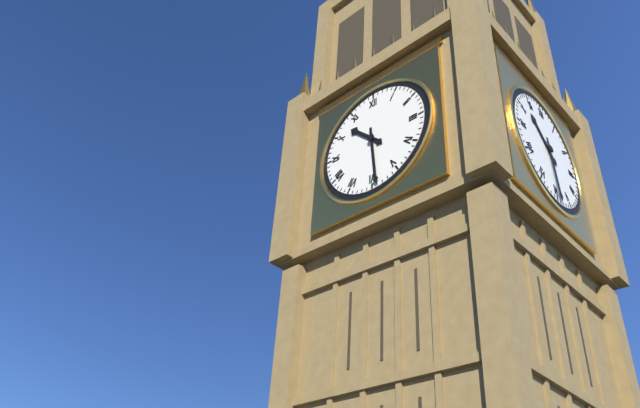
10:29
